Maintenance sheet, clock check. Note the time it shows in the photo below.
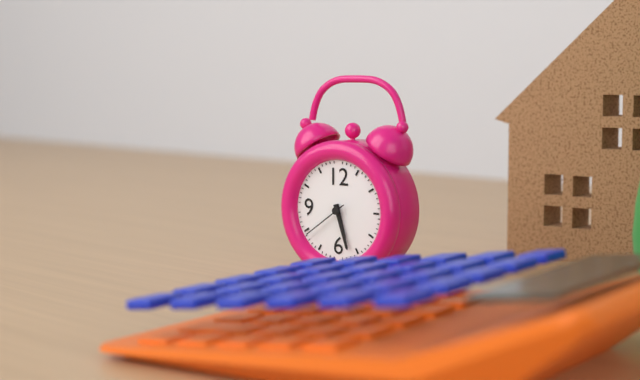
5:27
